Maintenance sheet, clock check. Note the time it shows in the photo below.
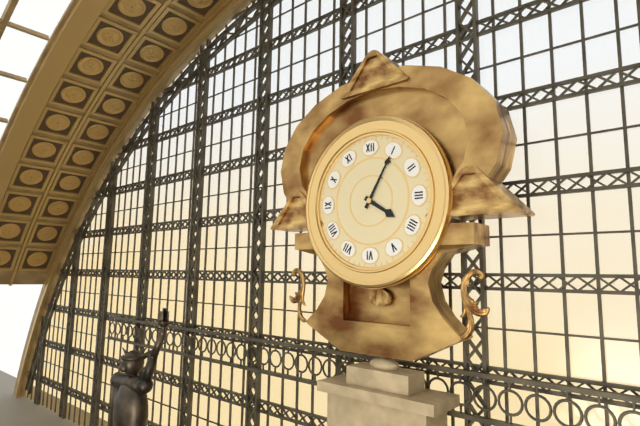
4:05
